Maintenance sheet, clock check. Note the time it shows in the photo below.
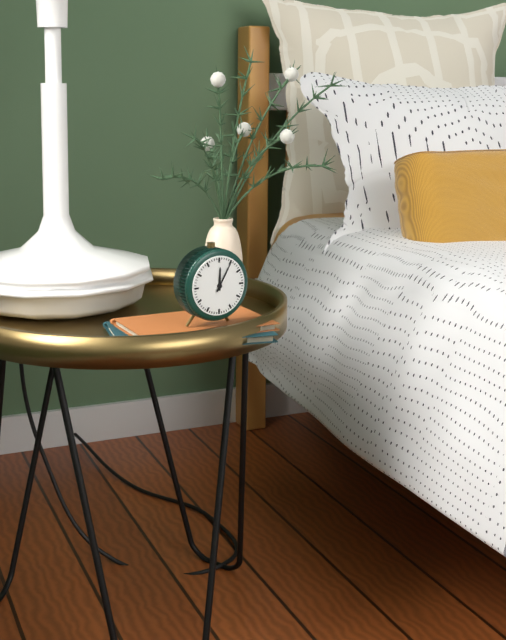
12:05
